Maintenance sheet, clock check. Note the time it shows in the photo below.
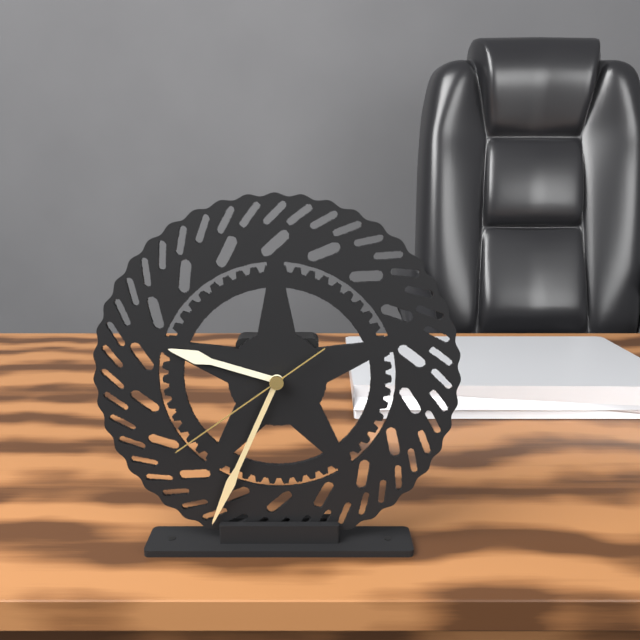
9:34:39
